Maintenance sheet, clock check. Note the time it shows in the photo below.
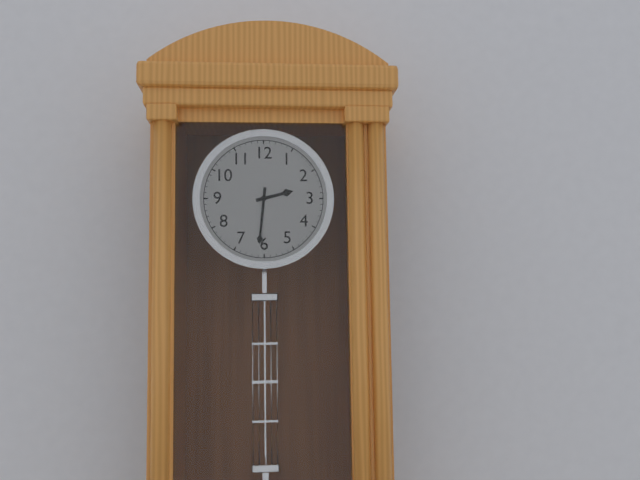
2:31
